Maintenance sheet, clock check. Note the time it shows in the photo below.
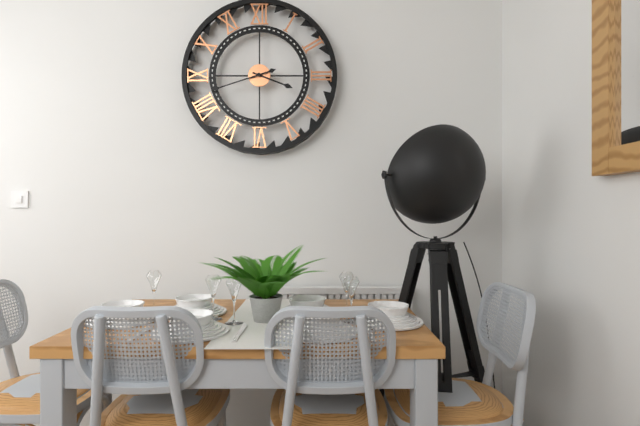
3:42
